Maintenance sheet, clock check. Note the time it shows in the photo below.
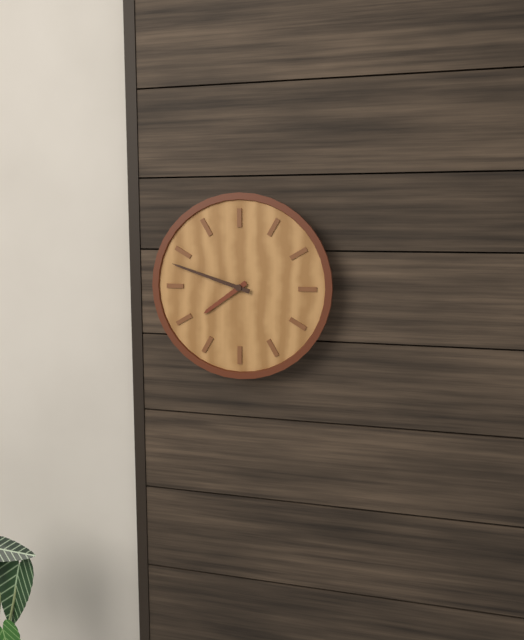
7:48
